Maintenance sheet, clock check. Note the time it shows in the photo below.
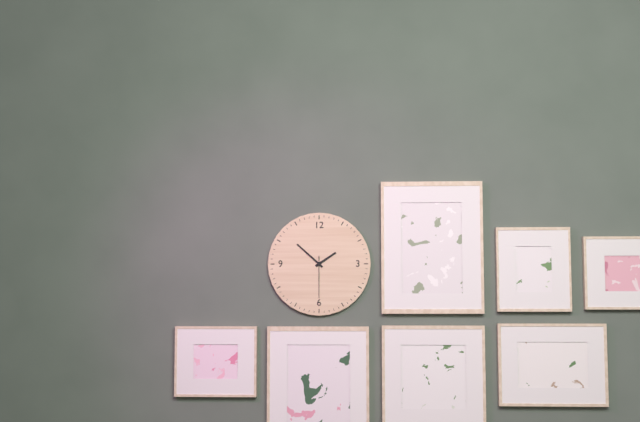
1:52
